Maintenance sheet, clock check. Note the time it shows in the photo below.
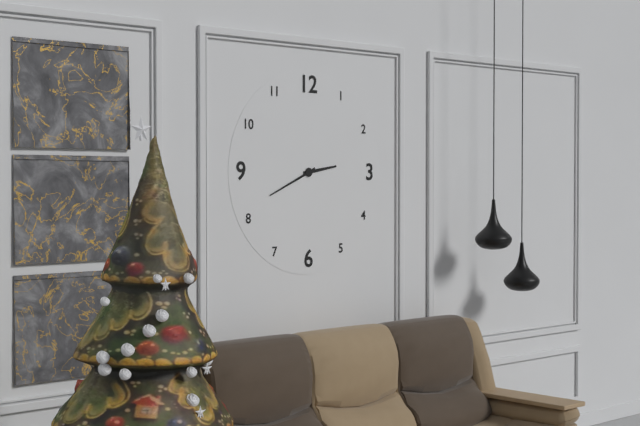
2:41
